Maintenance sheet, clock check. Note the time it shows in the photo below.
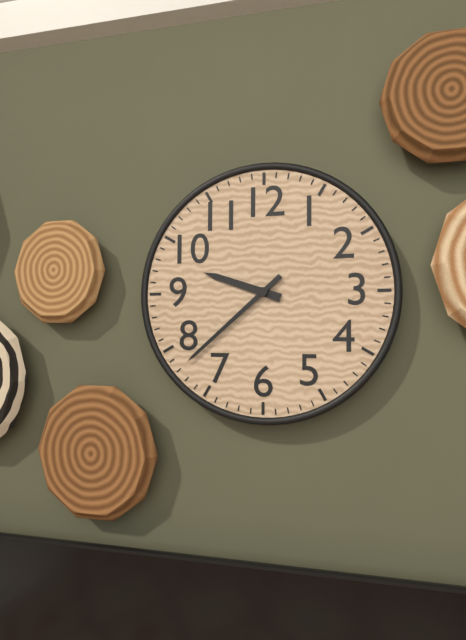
9:38
